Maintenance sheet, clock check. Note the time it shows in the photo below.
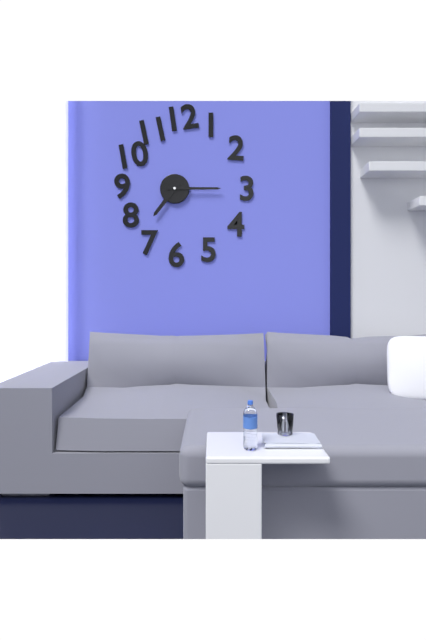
7:15
